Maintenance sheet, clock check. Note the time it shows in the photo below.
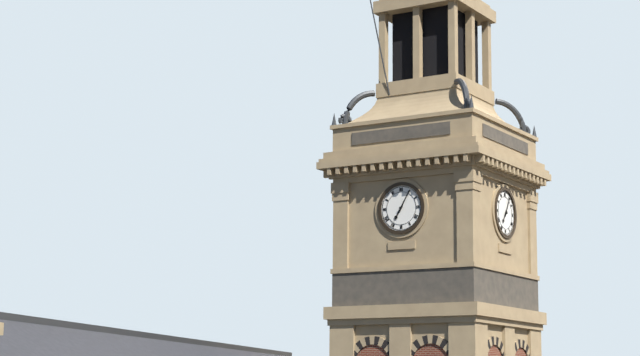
7:05
